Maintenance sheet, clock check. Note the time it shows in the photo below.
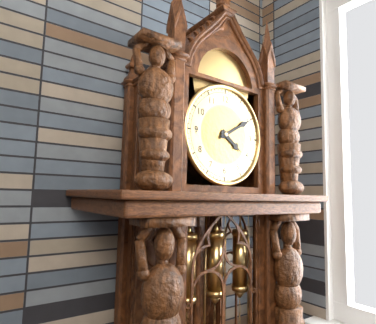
4:10
